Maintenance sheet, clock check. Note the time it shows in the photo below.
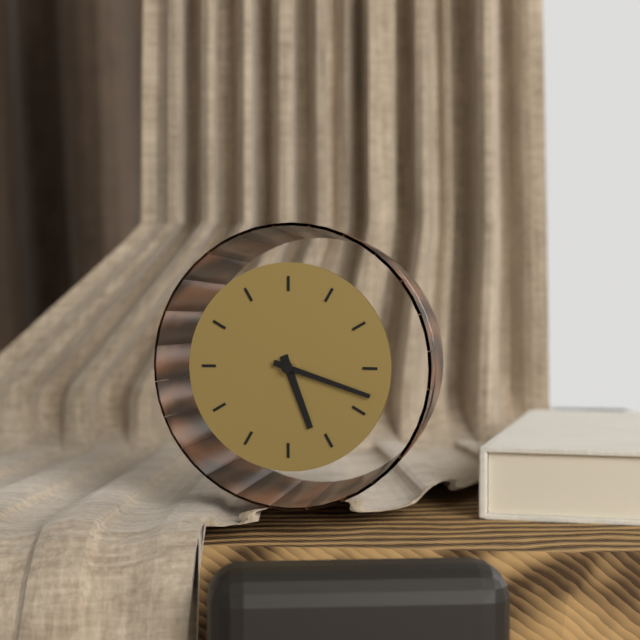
5:18
